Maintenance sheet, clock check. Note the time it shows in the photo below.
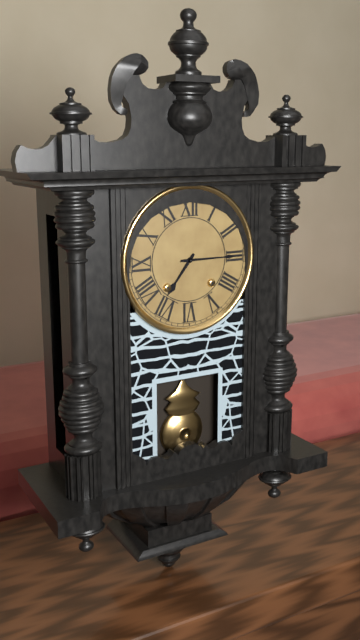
7:15
